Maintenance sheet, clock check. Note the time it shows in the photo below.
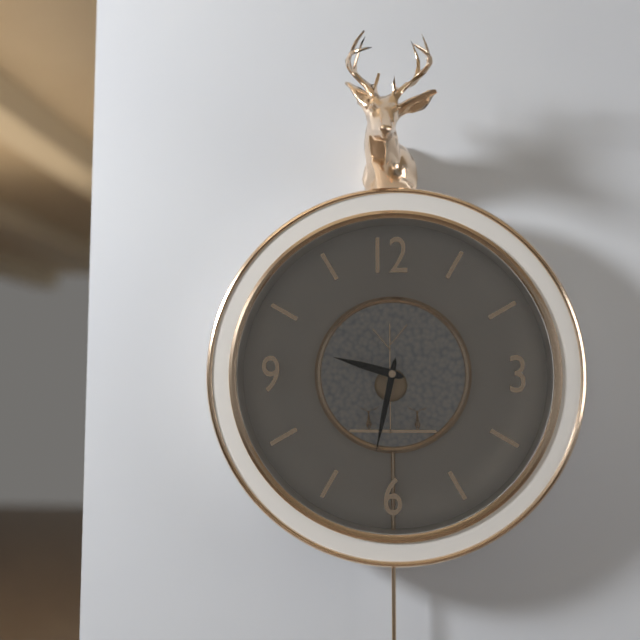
9:32
